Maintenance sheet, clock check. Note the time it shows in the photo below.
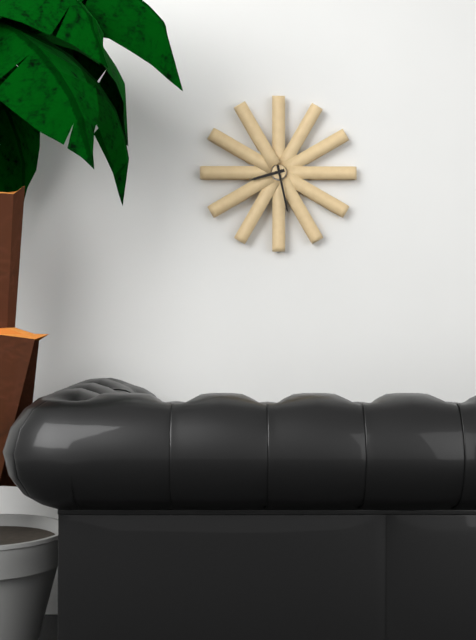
8:28
